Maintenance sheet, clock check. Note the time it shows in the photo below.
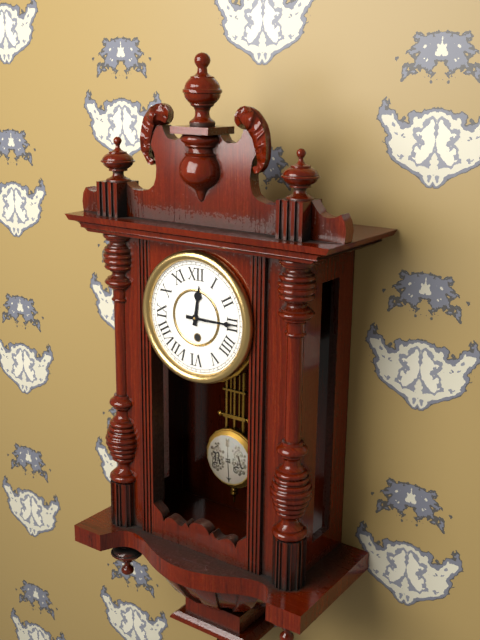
12:15
